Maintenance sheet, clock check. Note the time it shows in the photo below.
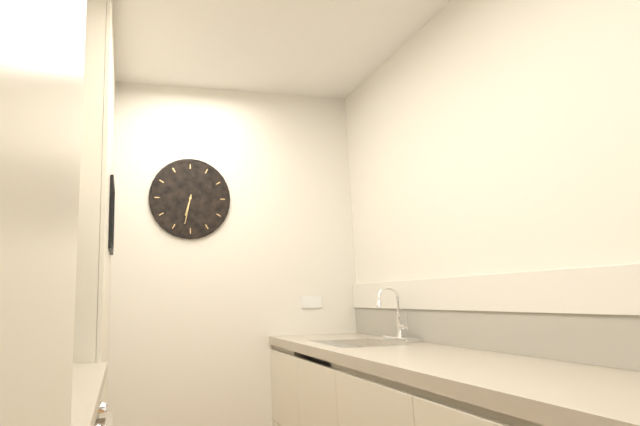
6:32
